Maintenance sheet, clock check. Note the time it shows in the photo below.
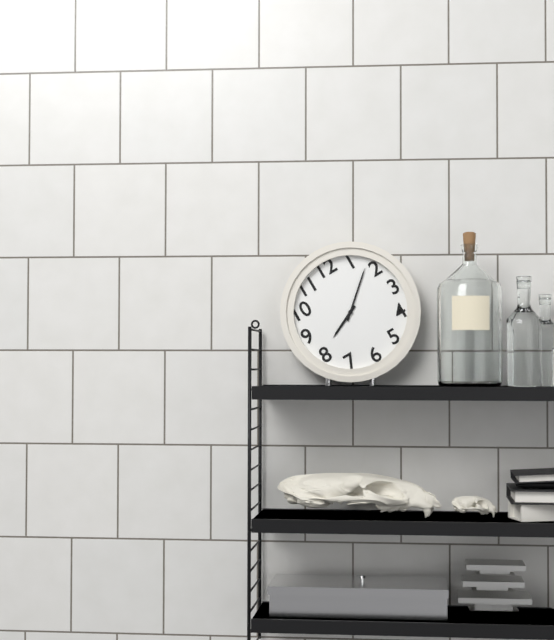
8:08
